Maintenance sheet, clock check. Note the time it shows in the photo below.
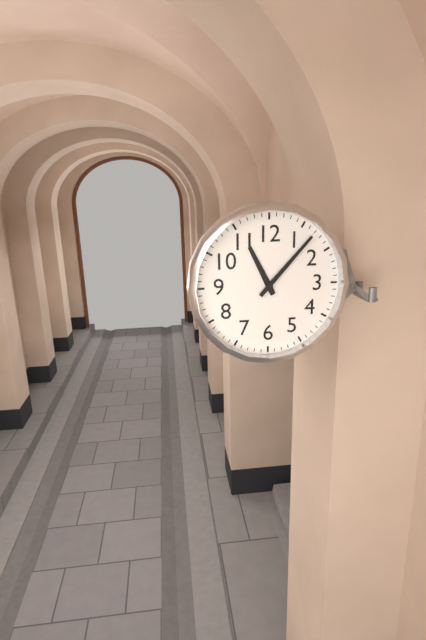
11:07
